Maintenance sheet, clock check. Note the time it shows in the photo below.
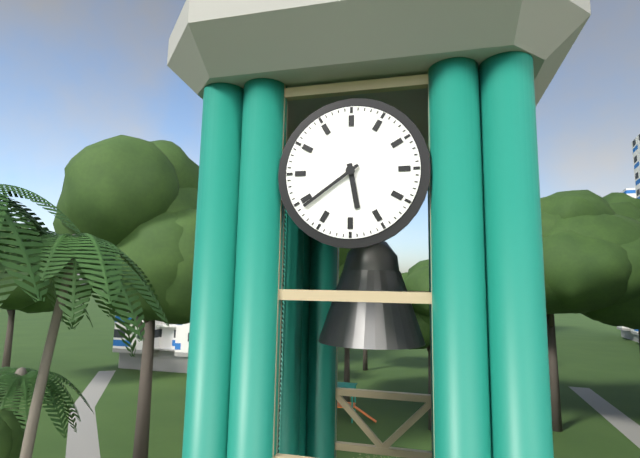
5:39
